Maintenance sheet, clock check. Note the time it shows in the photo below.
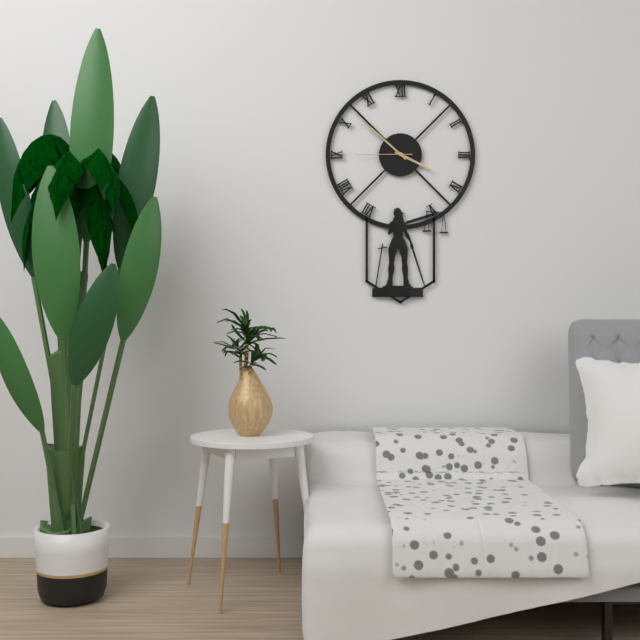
3:52:45
